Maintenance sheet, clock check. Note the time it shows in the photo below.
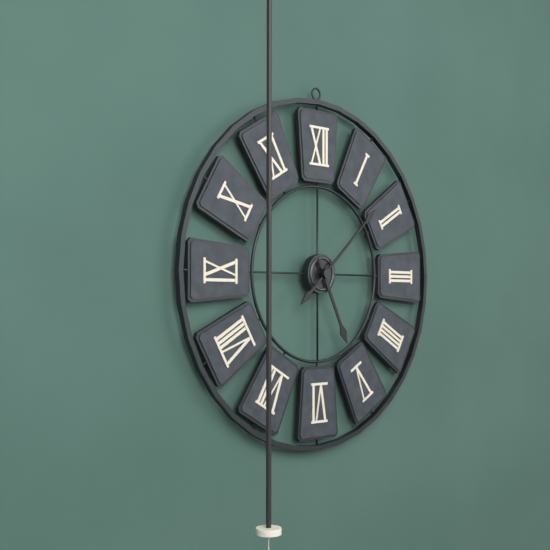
5:08
